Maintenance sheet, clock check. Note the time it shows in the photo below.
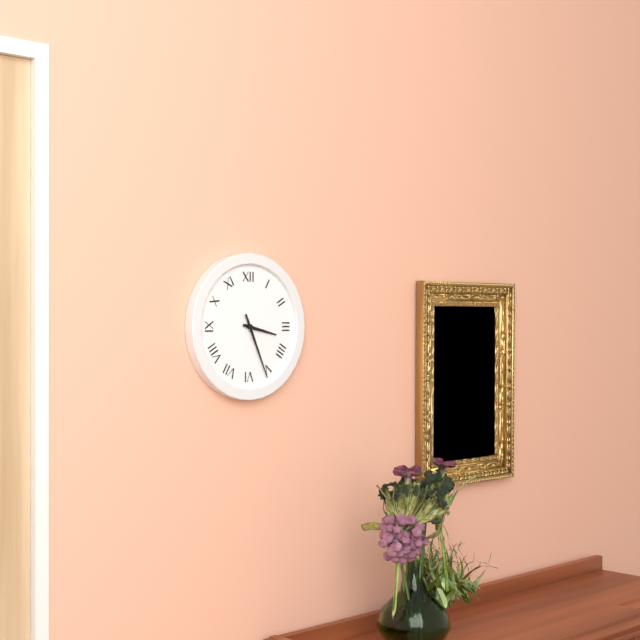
3:26
